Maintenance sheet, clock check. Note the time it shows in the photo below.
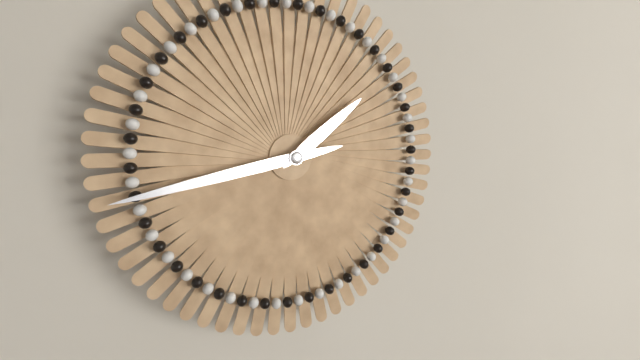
1:43
